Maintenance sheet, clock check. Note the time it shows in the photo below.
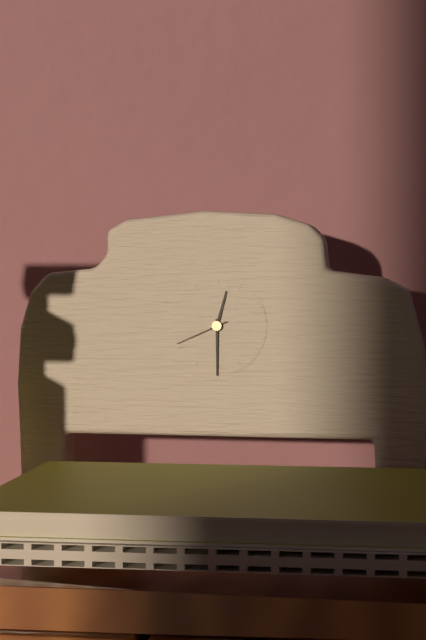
12:30:41
